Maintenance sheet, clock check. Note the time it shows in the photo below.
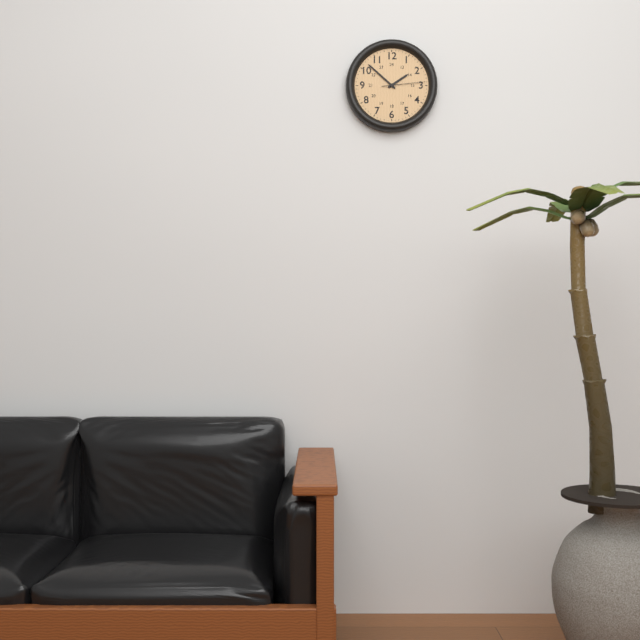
1:52
